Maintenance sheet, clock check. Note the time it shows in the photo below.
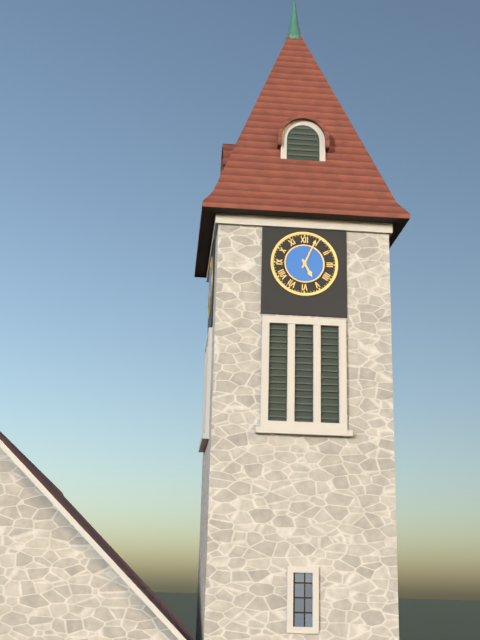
5:04
